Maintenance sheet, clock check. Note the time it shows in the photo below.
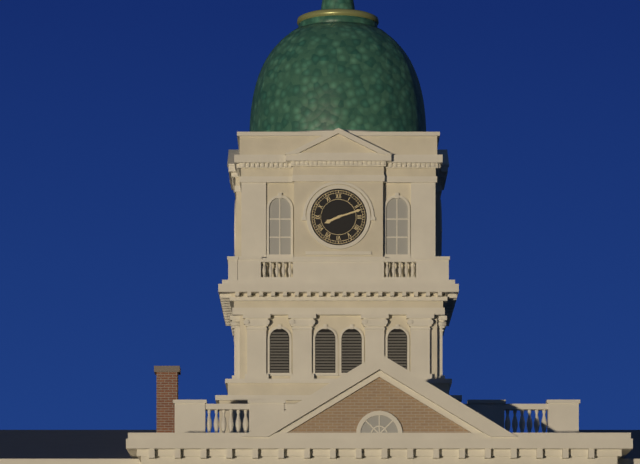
8:12
